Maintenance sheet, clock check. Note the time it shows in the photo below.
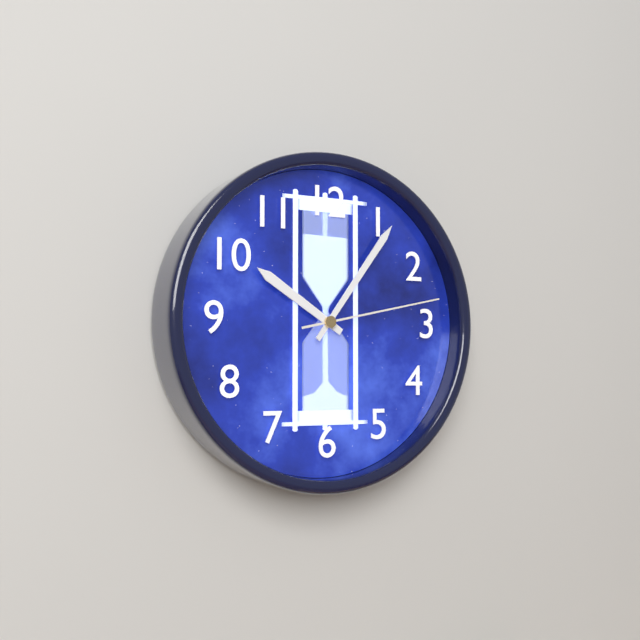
10:06:13
